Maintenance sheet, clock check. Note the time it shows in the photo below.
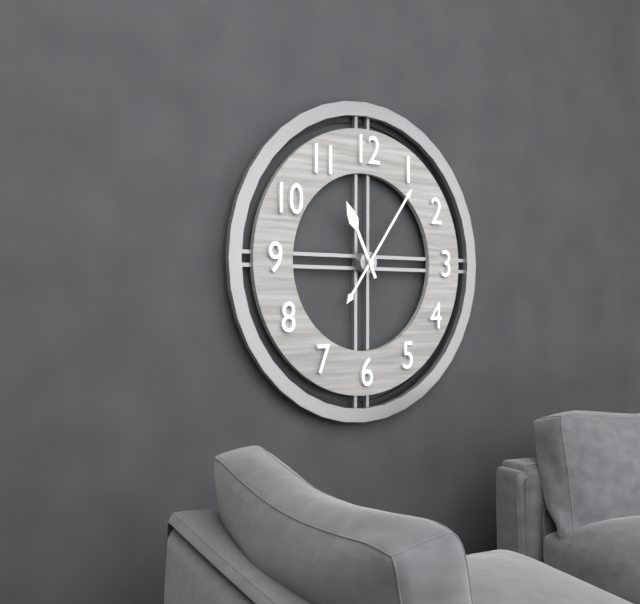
11:06
